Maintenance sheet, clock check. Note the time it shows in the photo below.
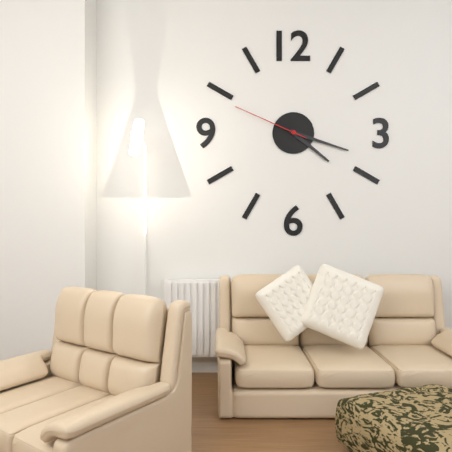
4:18:49
